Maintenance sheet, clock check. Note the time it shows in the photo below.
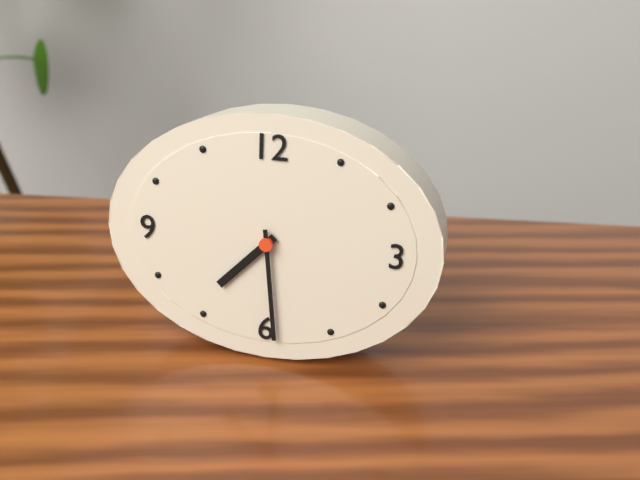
7:29
